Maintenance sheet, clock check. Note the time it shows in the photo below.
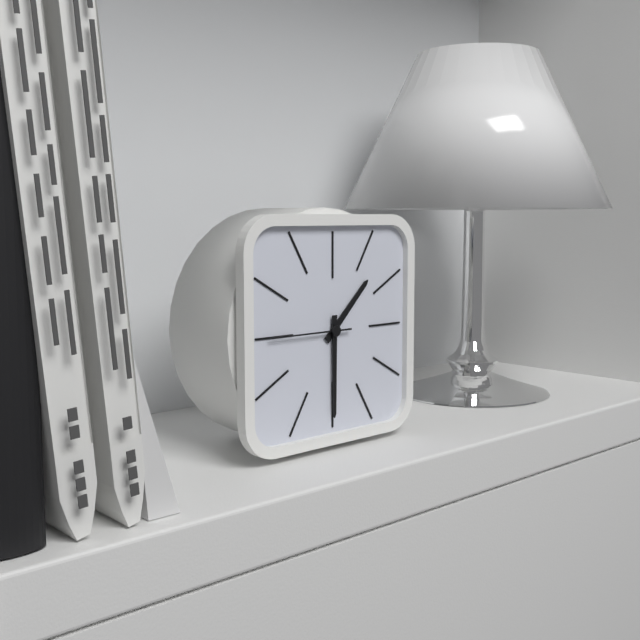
1:30:45
